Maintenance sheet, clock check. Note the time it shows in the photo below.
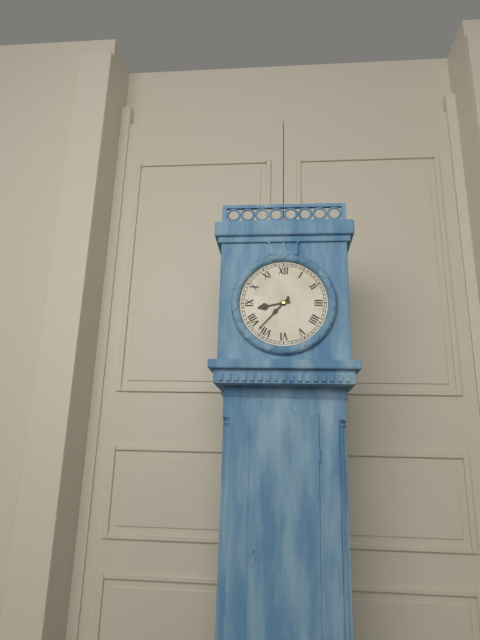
8:37
